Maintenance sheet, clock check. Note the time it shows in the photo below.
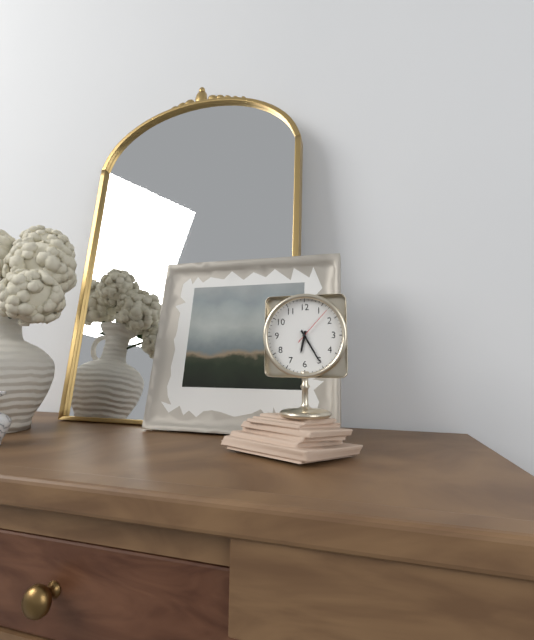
6:25
